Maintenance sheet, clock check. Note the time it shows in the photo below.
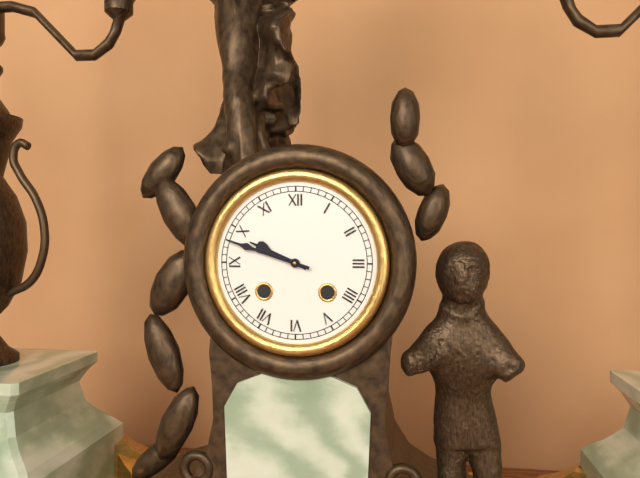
9:48
